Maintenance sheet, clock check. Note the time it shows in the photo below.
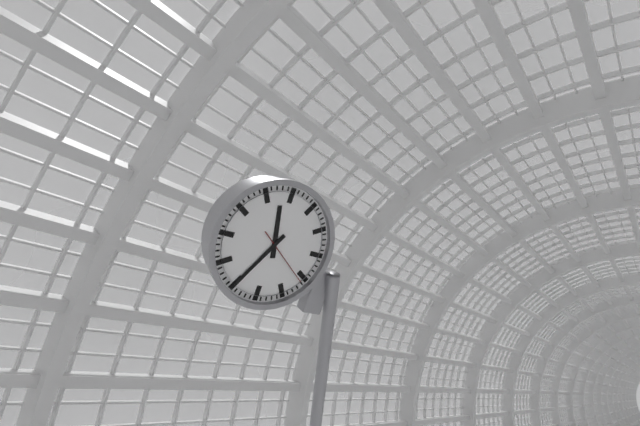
11:35:21
